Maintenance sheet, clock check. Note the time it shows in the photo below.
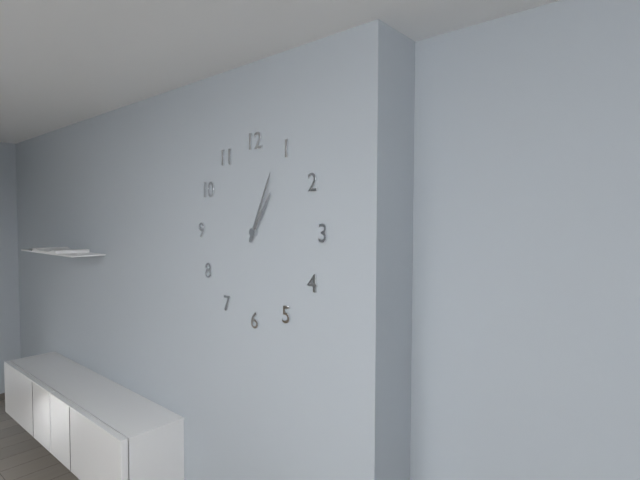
1:04
